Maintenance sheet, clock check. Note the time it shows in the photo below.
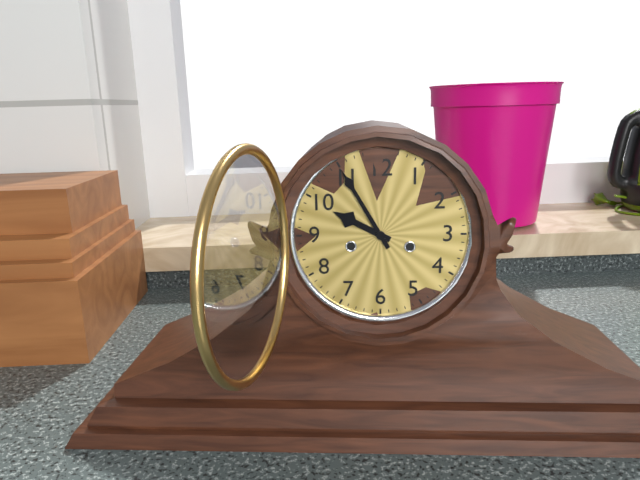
9:55
